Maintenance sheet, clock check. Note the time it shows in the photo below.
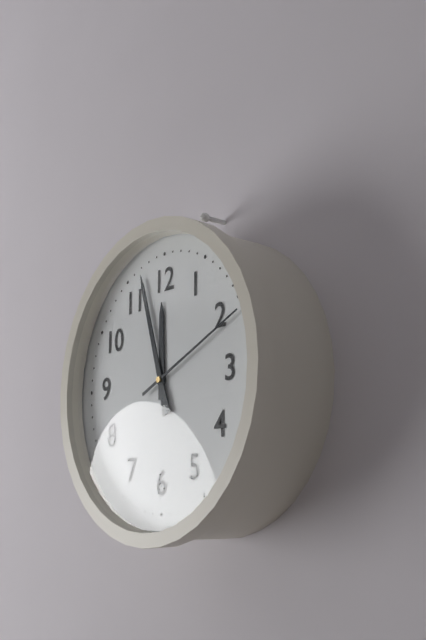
11:57:11
